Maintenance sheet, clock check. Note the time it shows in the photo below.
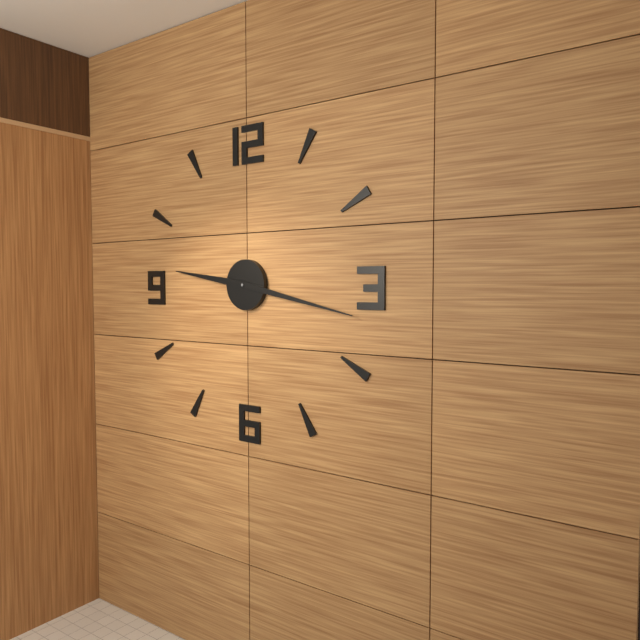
9:17
